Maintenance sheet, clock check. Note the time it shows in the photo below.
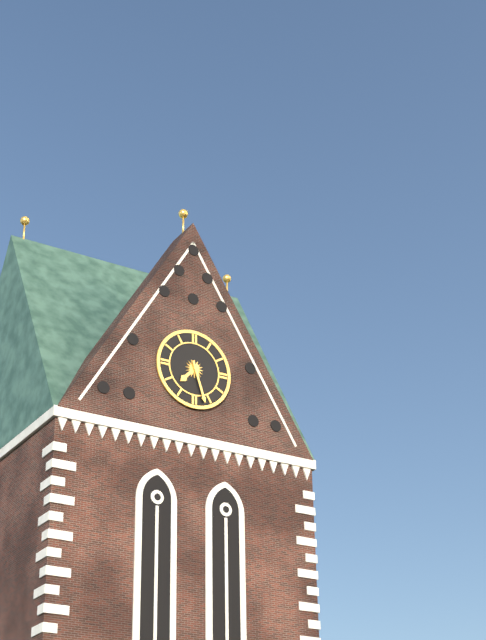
7:27
